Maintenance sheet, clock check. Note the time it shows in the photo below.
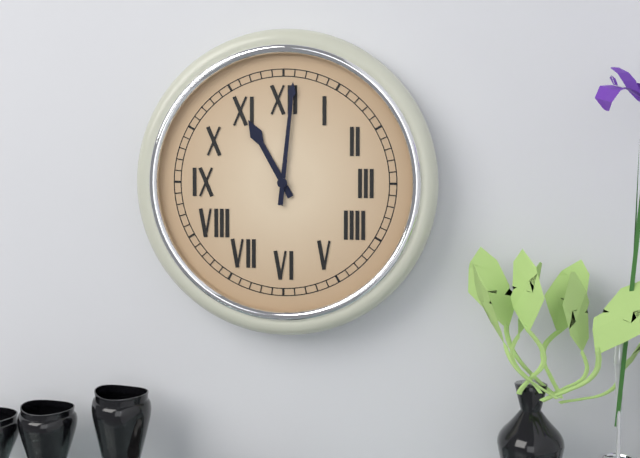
11:01
